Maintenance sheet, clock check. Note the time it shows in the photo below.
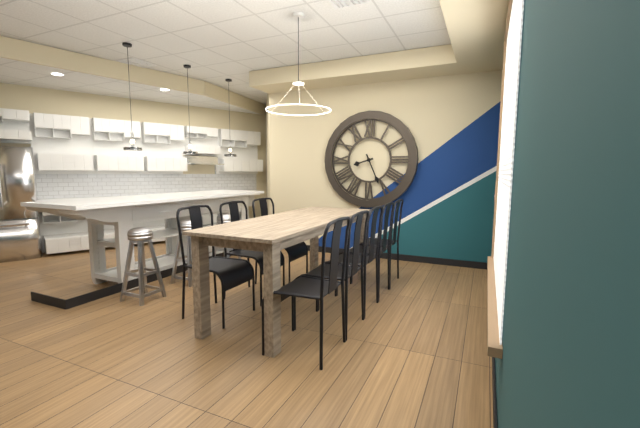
8:26
